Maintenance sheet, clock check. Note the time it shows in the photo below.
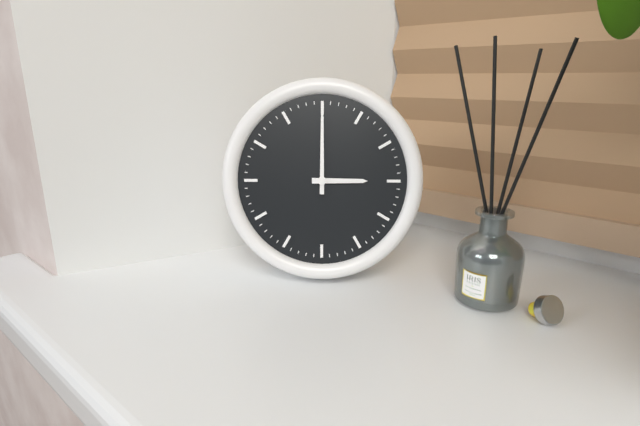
3:00
